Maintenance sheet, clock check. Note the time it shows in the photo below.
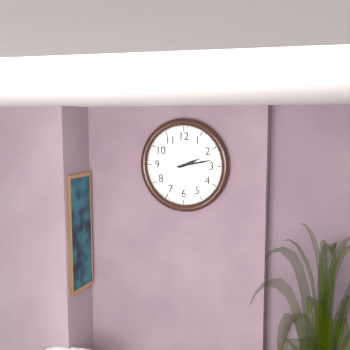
2:13
